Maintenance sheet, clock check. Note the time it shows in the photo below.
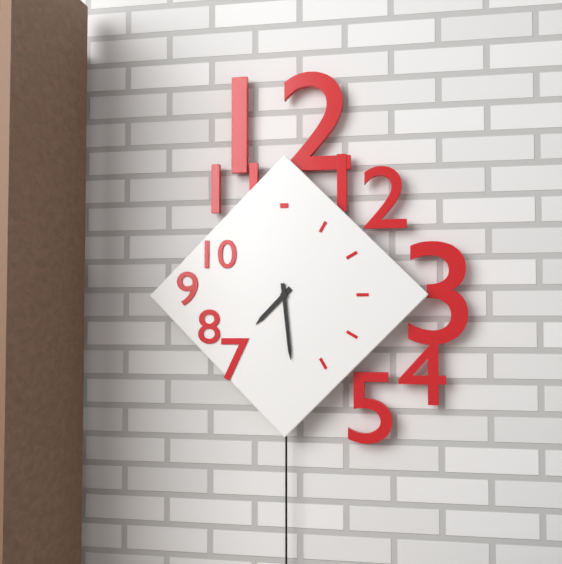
7:29
